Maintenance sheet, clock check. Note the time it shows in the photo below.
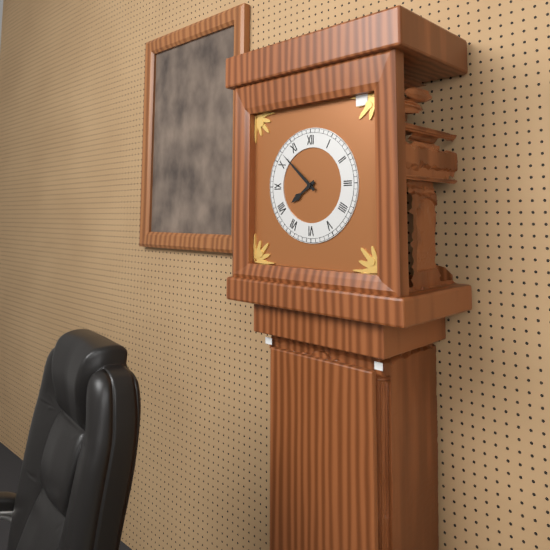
7:52
